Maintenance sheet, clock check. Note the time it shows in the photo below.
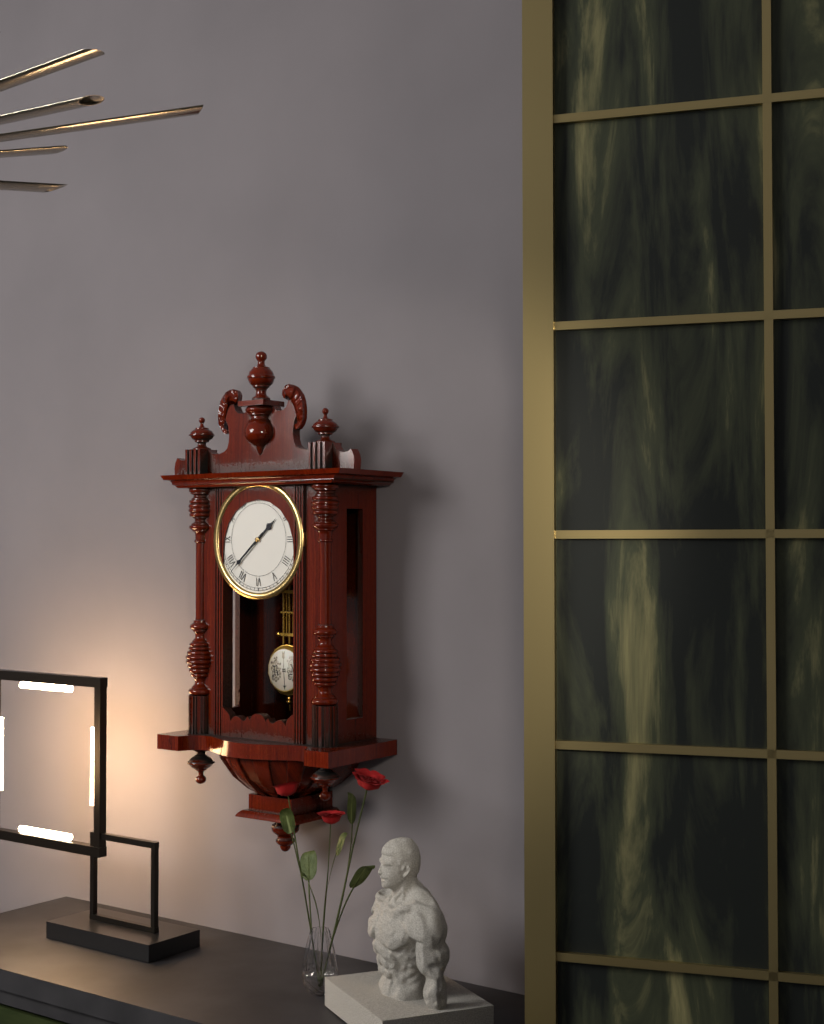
1:38
